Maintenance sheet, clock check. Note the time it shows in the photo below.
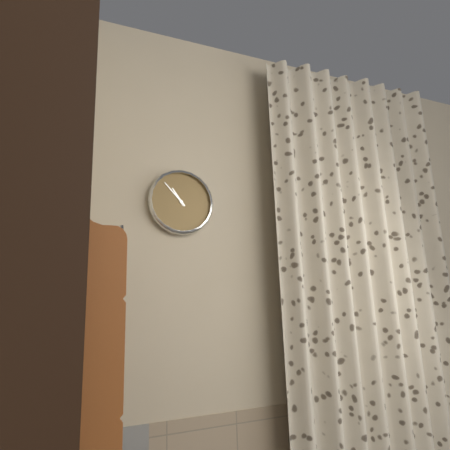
10:53
